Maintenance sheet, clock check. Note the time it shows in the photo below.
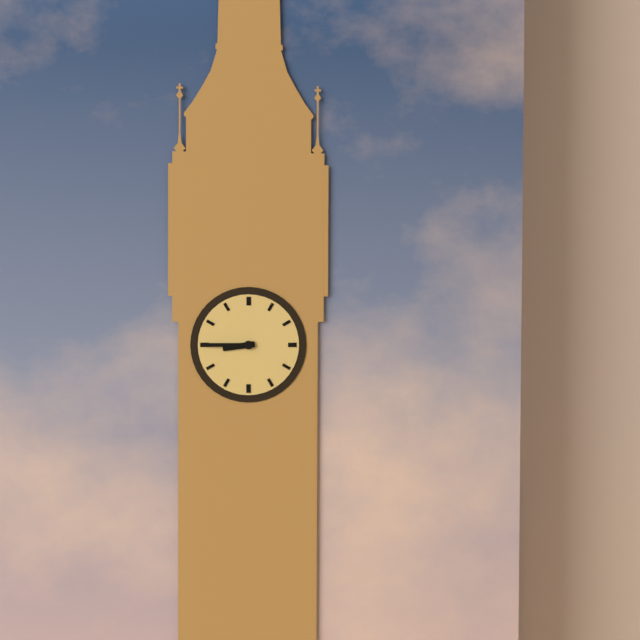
8:45
